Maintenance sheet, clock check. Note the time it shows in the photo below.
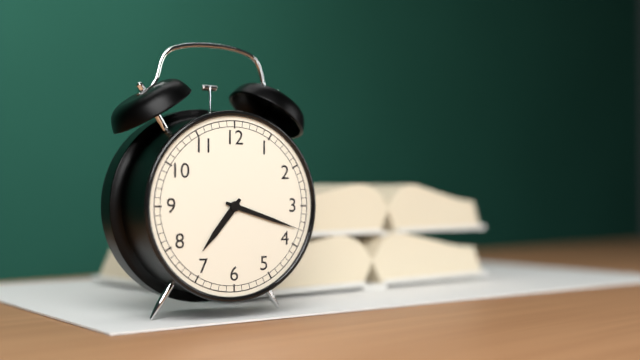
7:18
